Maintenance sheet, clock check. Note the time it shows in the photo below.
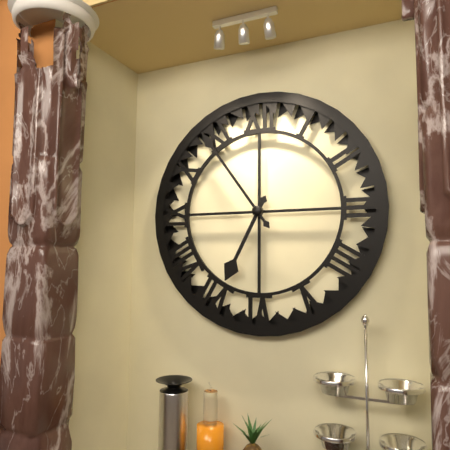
6:54
